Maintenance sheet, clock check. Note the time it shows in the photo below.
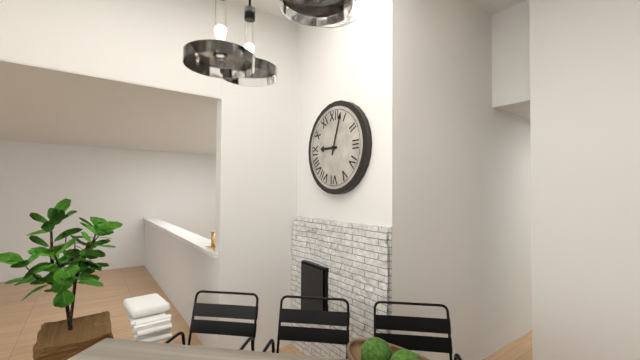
9:03
